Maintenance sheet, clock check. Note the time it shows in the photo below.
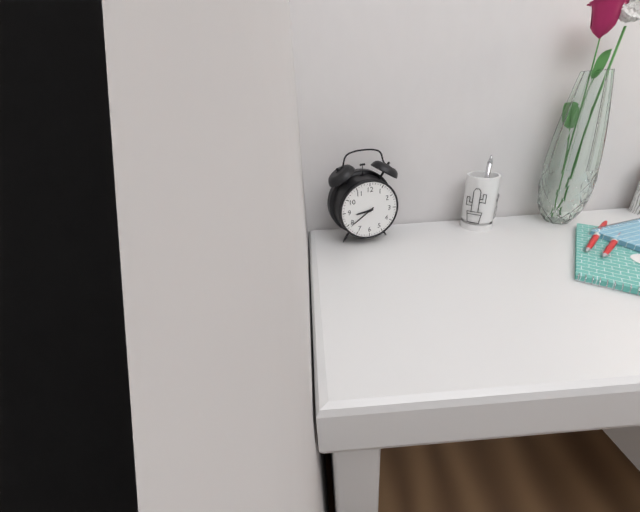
8:39
